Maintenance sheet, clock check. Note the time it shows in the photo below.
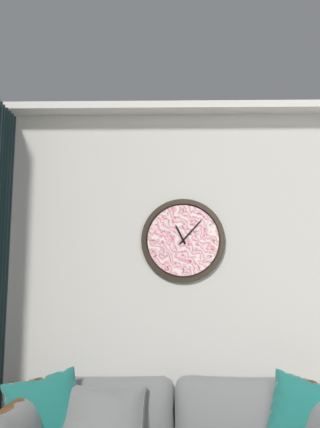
11:07
